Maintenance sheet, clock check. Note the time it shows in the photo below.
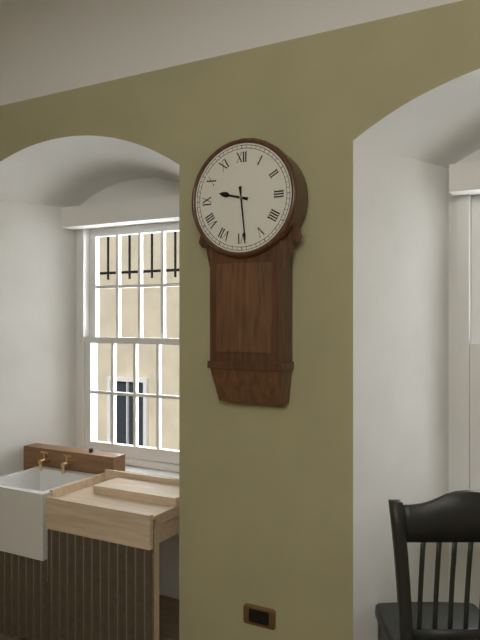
9:29
